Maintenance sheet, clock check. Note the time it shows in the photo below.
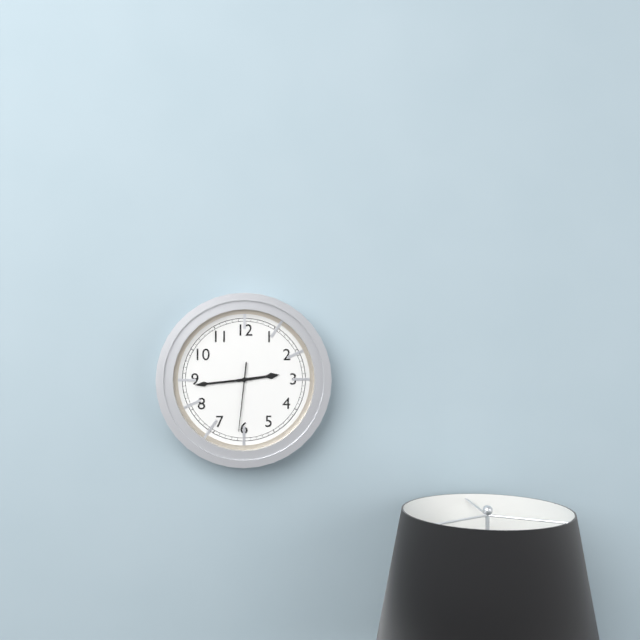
2:44:31
